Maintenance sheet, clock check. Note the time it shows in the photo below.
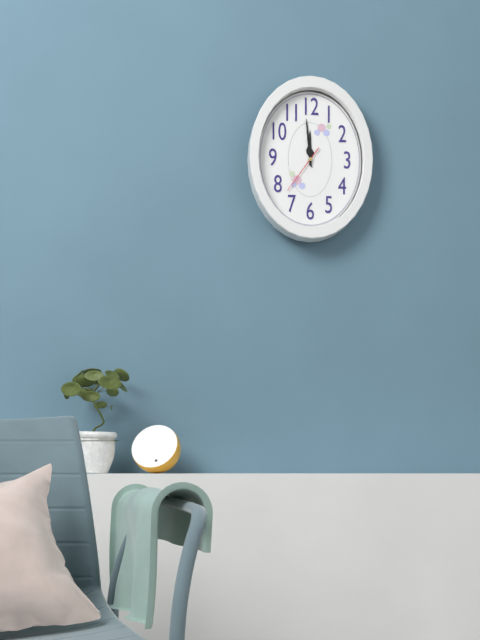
11:59
